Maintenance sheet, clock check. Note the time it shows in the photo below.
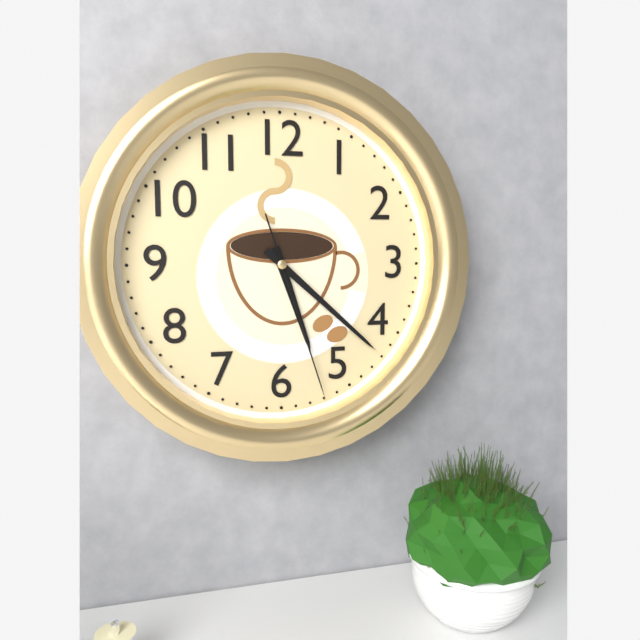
5:22:27
